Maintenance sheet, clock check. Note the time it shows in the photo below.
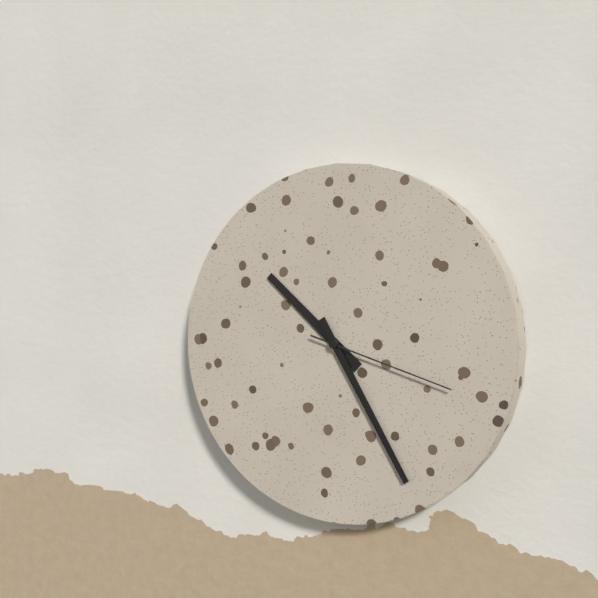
10:25:18
